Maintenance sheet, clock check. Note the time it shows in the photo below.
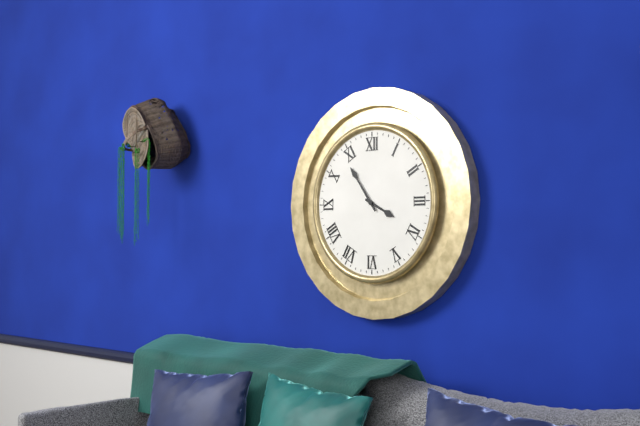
3:54
